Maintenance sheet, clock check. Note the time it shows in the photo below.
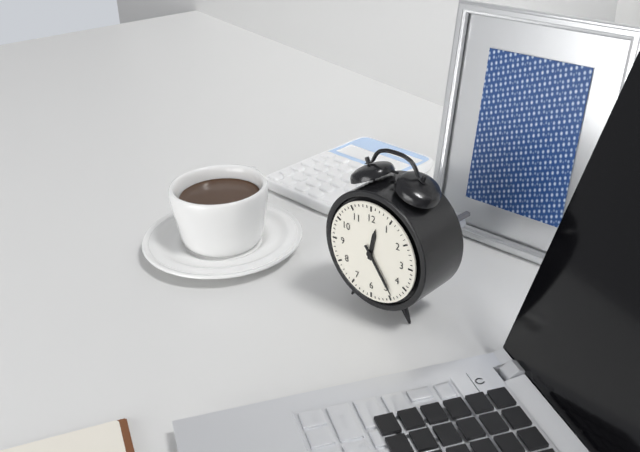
12:24
